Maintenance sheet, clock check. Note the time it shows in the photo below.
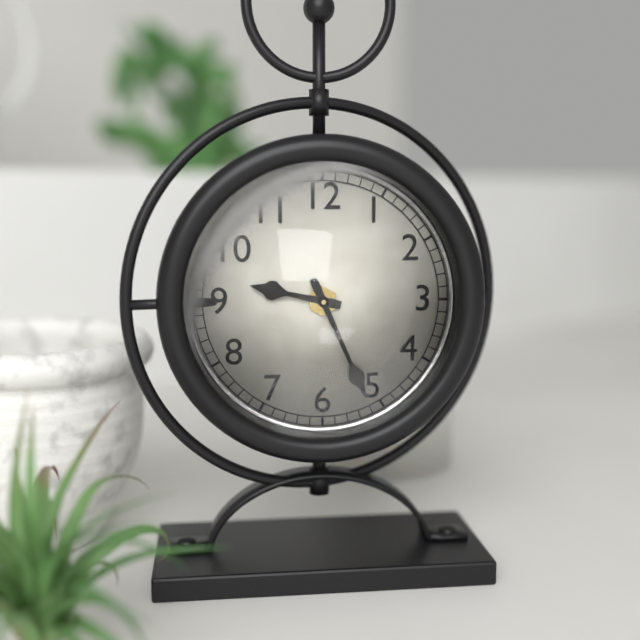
9:26
